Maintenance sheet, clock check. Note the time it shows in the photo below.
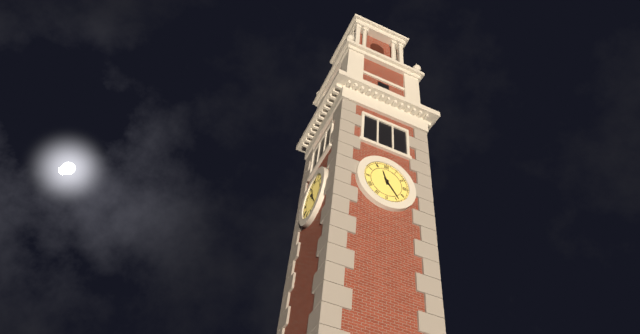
11:24
